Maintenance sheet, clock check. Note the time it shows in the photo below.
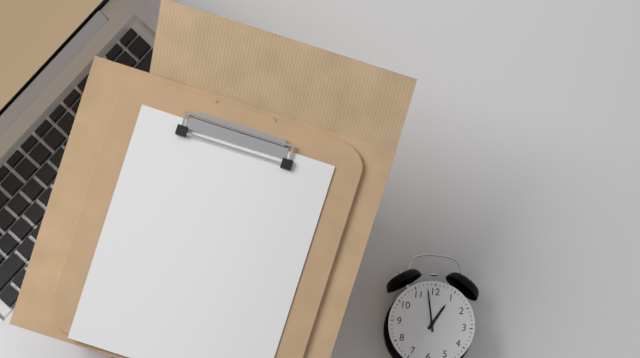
12:58
